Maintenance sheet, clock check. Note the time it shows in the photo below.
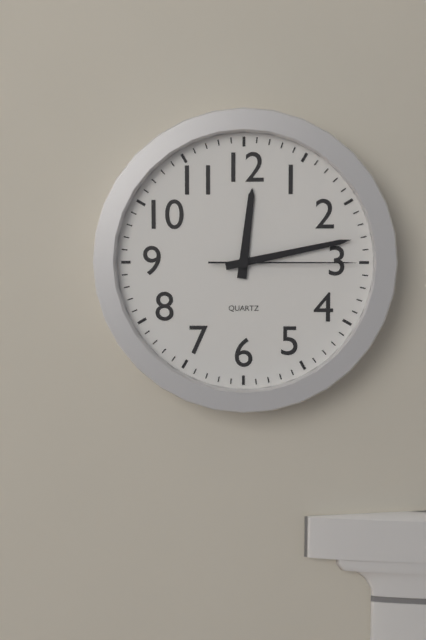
12:13:15
